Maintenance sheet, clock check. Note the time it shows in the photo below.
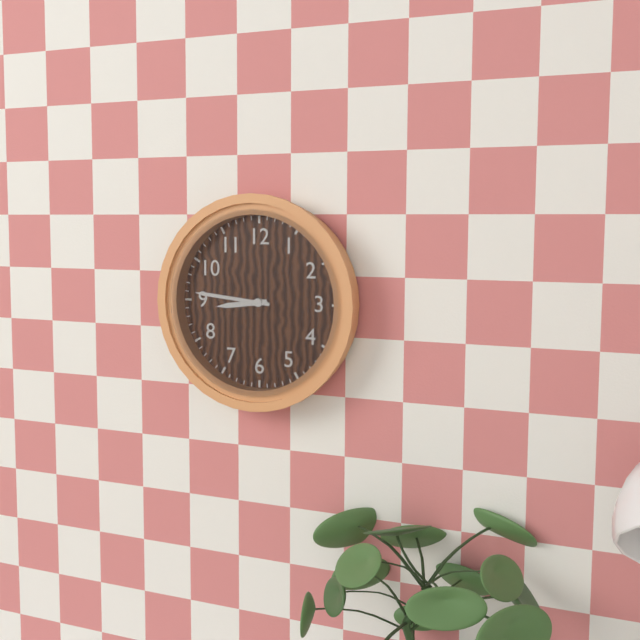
8:46
